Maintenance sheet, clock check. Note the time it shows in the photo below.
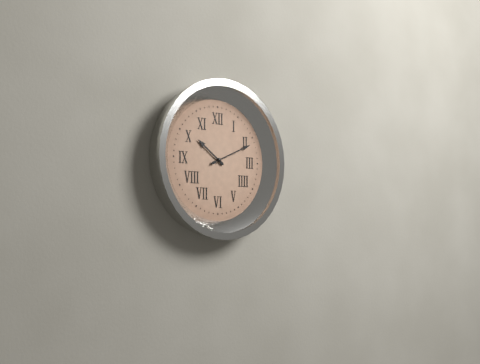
10:11
